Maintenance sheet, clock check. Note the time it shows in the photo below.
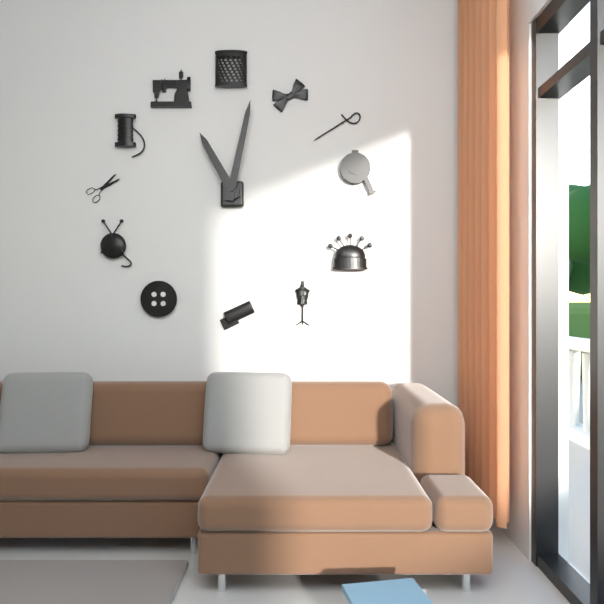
11:02
